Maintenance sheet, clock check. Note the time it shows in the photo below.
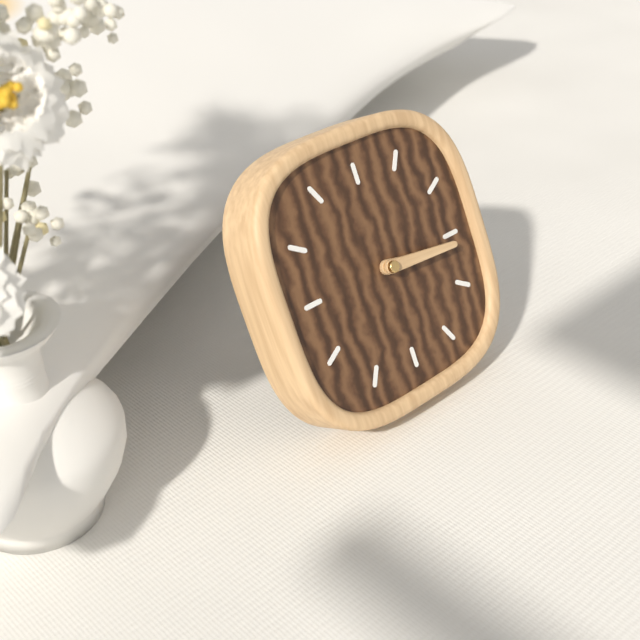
3:16
